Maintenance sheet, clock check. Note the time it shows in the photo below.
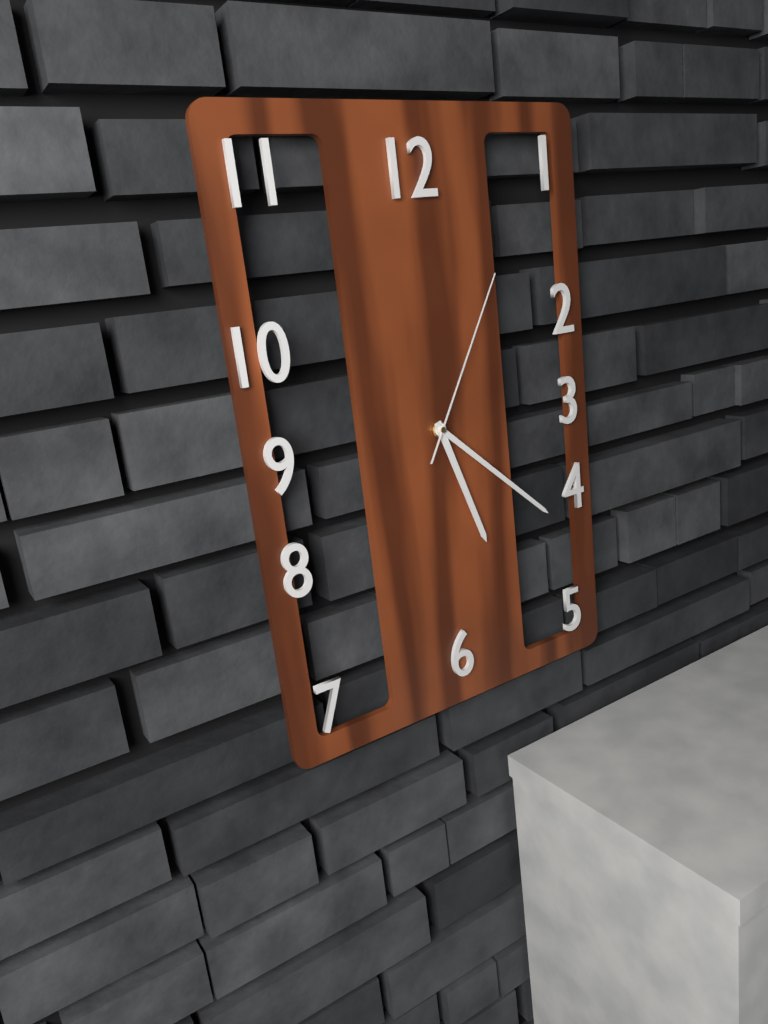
5:22:05
